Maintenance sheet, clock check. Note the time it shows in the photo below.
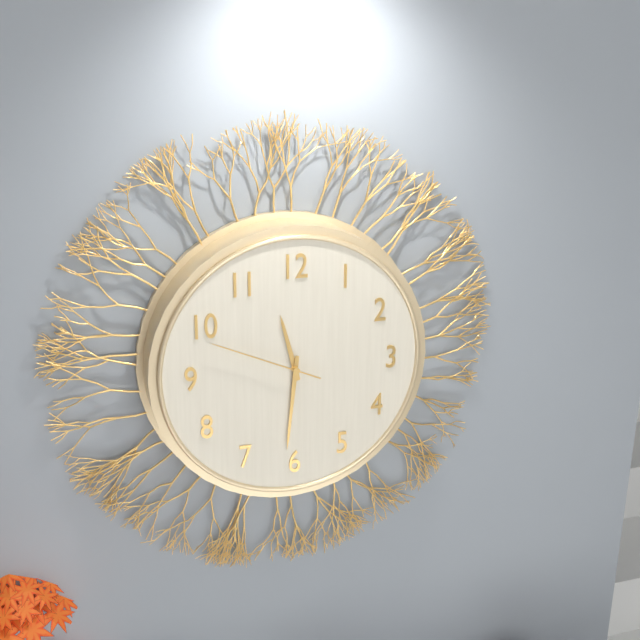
11:31:49
